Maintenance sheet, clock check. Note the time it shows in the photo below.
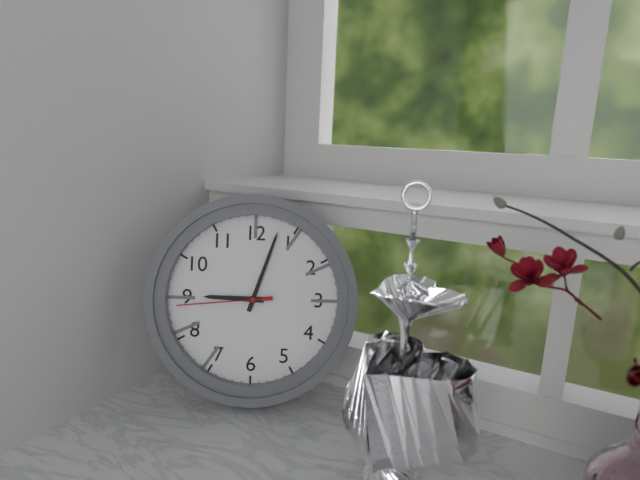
9:03:44
